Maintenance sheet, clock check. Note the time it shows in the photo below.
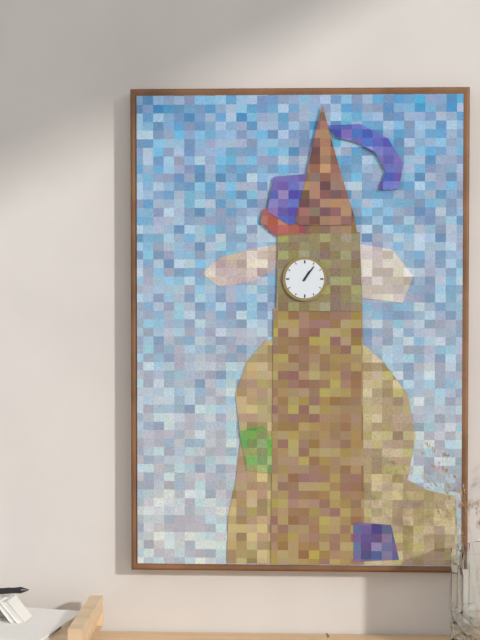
1:06
